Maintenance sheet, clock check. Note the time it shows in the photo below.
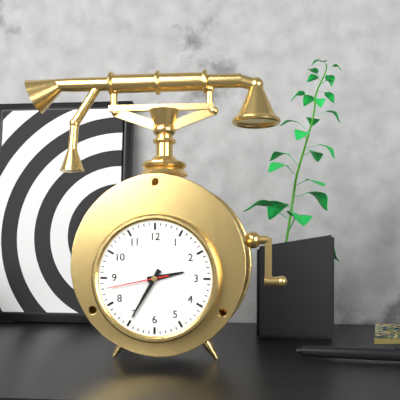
2:35:43
